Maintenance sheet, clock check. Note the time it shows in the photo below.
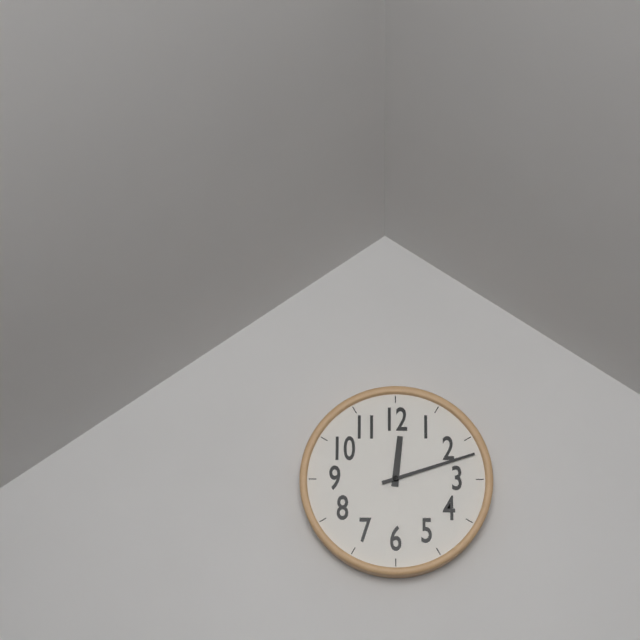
12:12
